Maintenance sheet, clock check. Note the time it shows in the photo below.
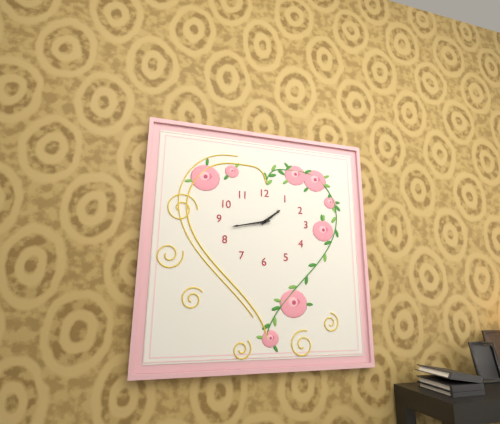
1:43
